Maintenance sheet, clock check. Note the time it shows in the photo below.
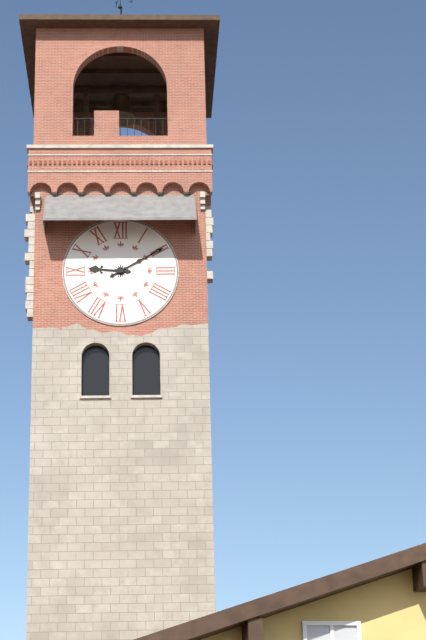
9:10
